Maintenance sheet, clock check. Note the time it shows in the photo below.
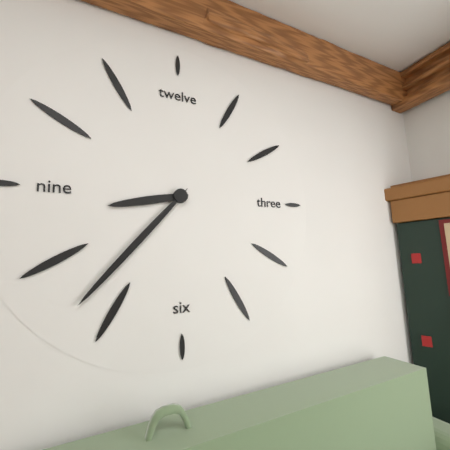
8:37
